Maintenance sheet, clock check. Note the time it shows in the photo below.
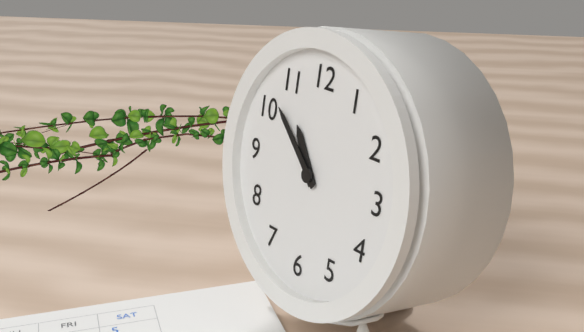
10:52
